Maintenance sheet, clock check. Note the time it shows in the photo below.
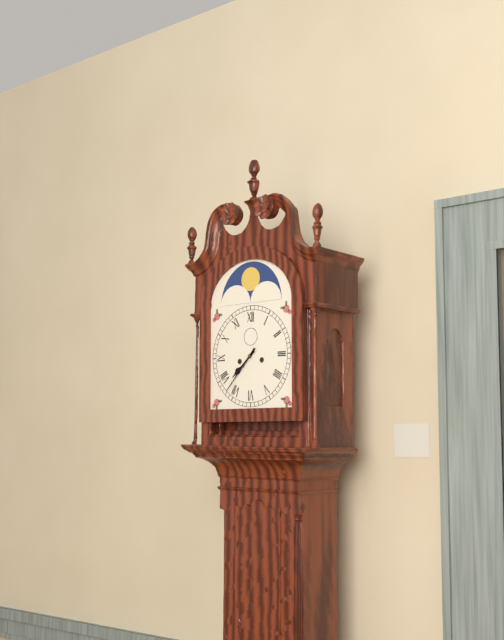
7:37
